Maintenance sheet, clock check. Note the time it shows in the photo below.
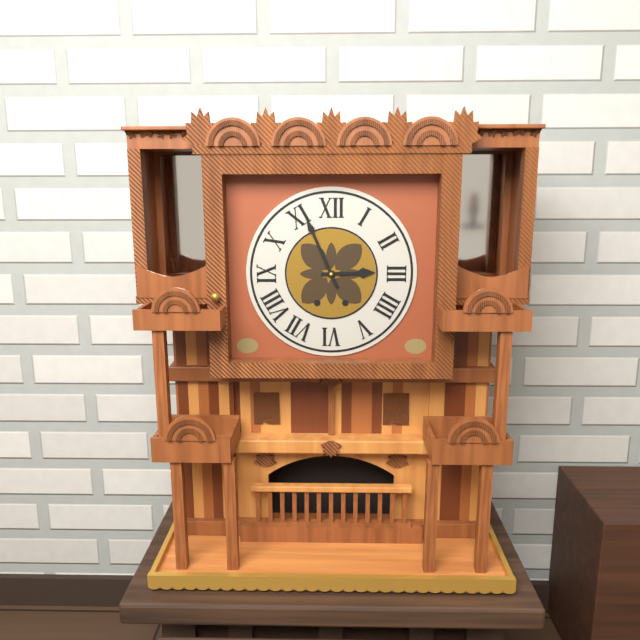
2:56
